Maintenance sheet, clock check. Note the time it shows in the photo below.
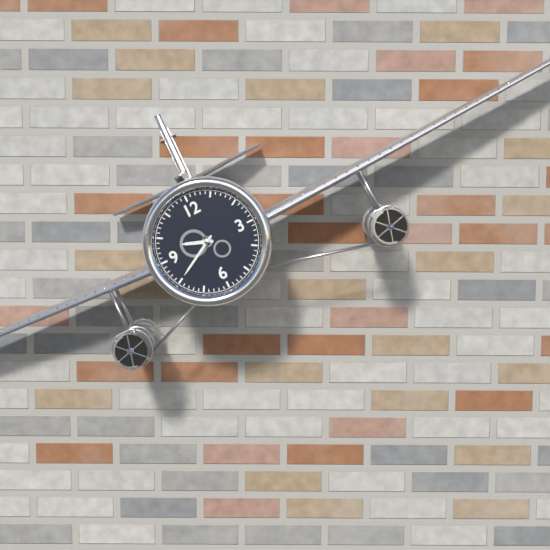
9:40
